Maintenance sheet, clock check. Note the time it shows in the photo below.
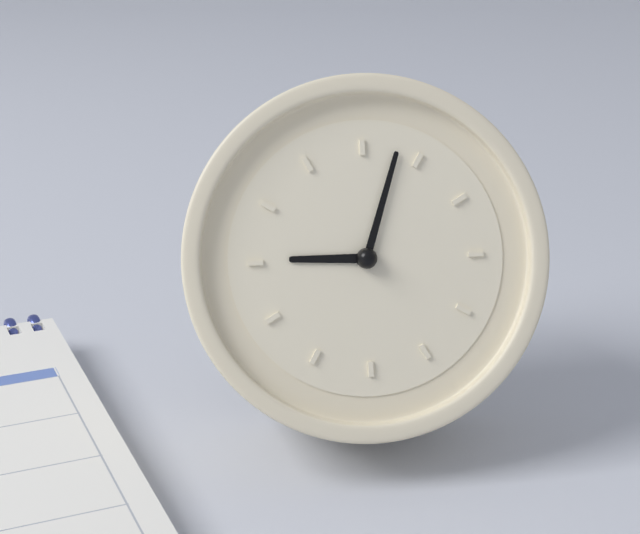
9:03
